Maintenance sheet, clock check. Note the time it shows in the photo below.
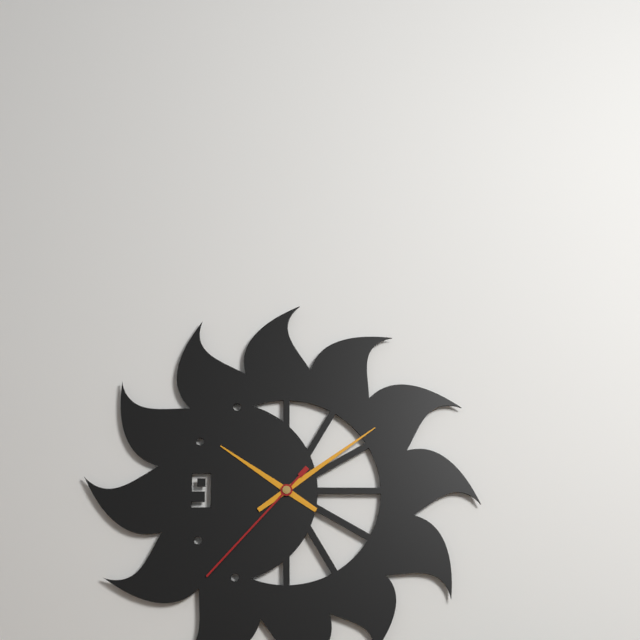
10:09:37
